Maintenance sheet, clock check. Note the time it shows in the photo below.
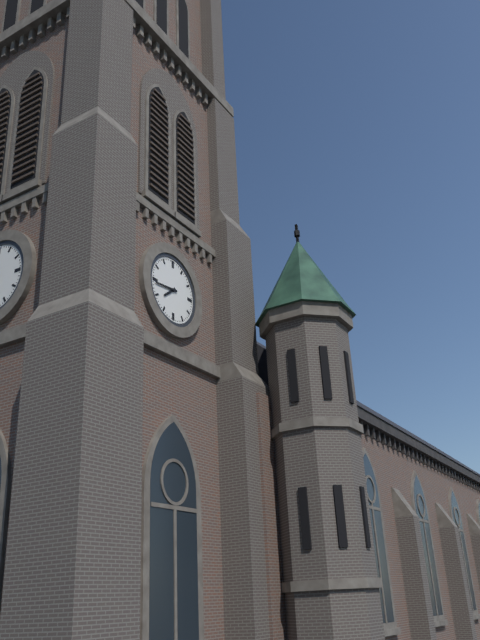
7:44
